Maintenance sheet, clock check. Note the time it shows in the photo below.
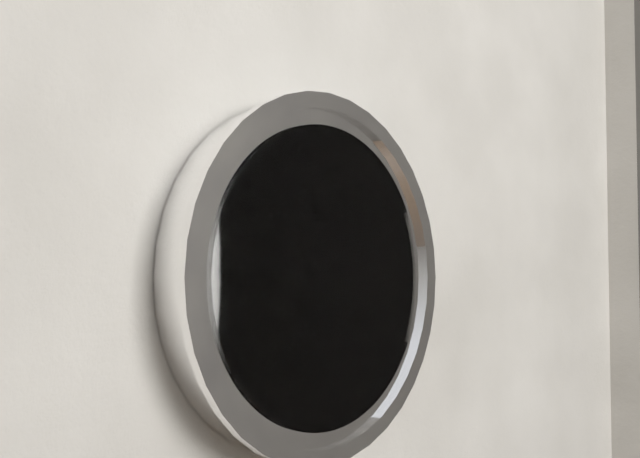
3:08
